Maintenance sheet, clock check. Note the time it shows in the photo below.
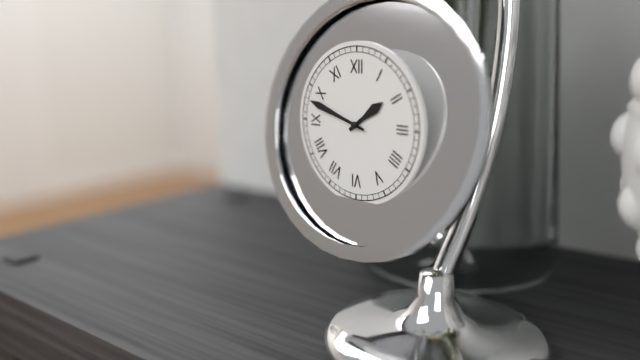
1:48
